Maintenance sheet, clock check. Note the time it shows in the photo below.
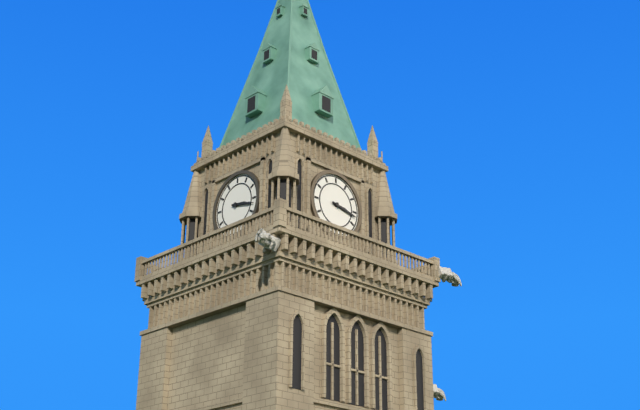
3:17
